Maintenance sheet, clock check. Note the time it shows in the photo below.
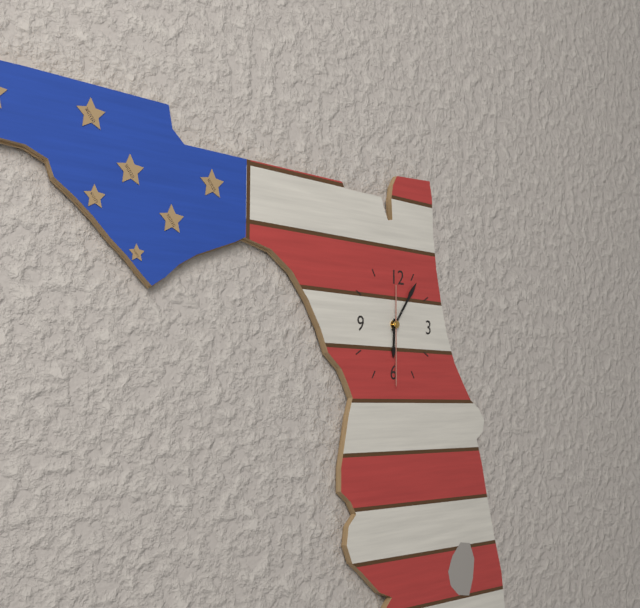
6:06:30
